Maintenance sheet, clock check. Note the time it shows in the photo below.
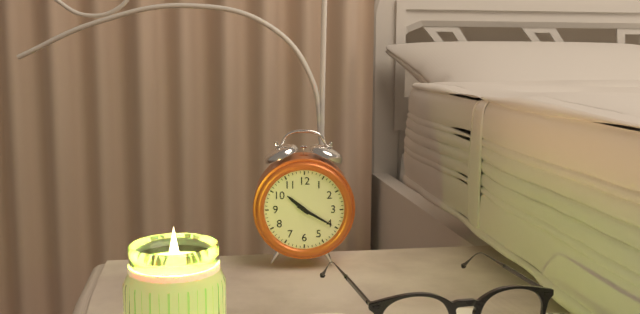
10:20
